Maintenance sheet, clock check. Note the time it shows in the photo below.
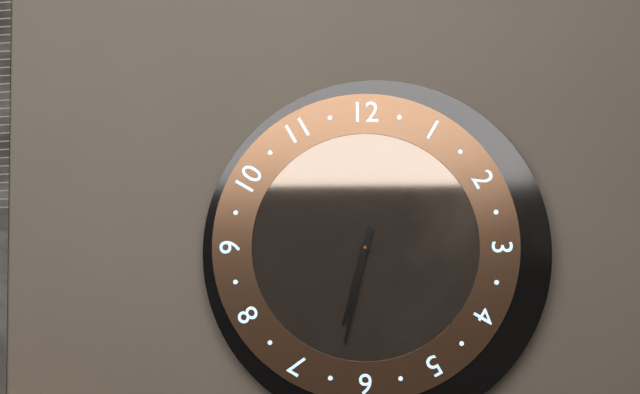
6:32
